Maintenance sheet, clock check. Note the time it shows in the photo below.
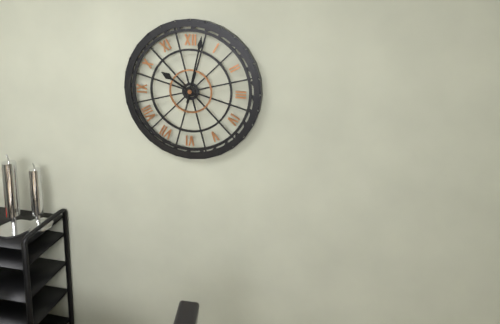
10:02
